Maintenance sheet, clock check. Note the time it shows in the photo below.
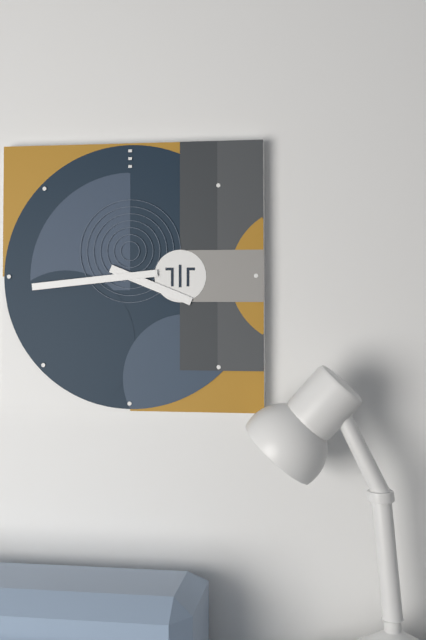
3:44
